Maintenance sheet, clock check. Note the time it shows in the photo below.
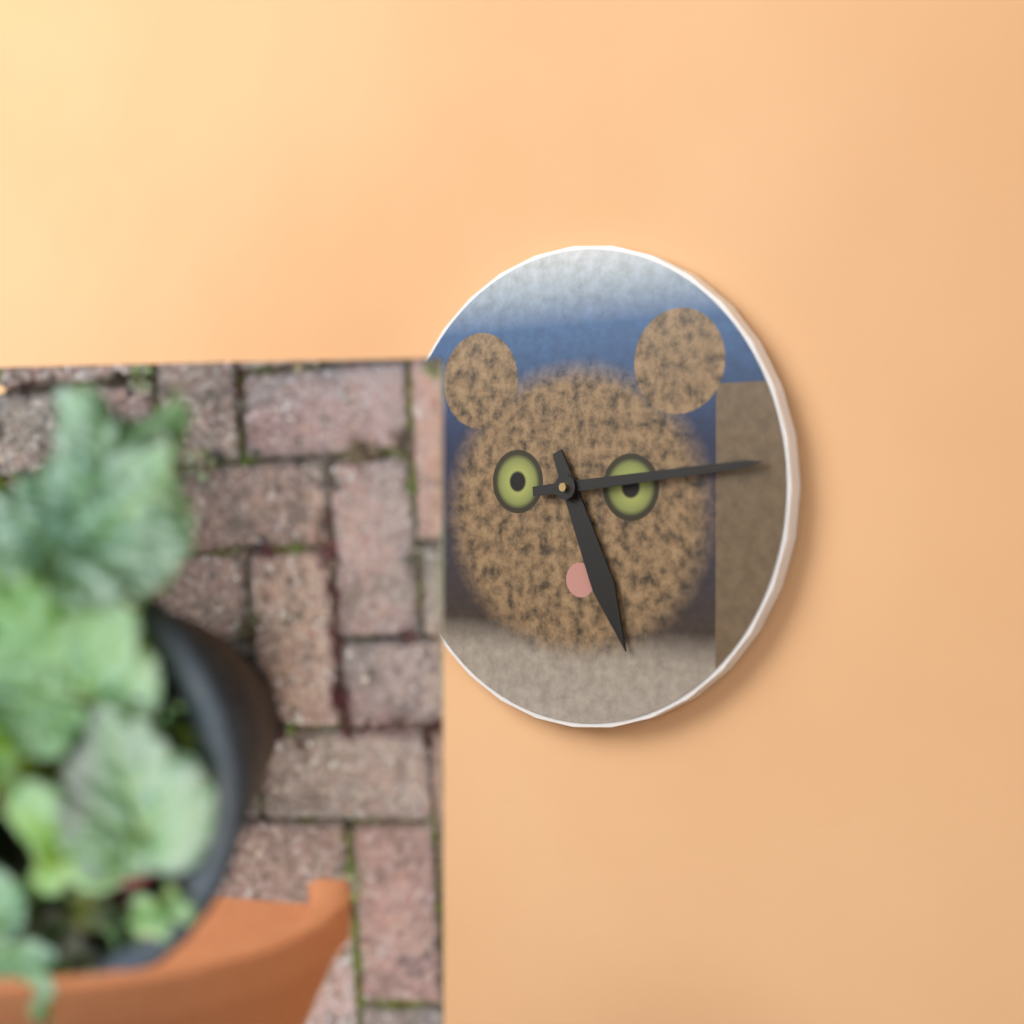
5:14
